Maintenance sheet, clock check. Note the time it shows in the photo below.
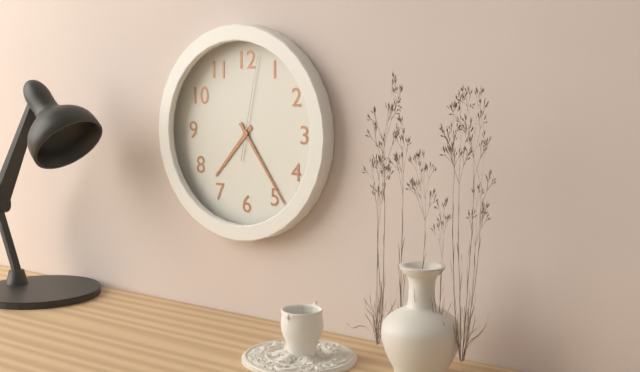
7:24:02
